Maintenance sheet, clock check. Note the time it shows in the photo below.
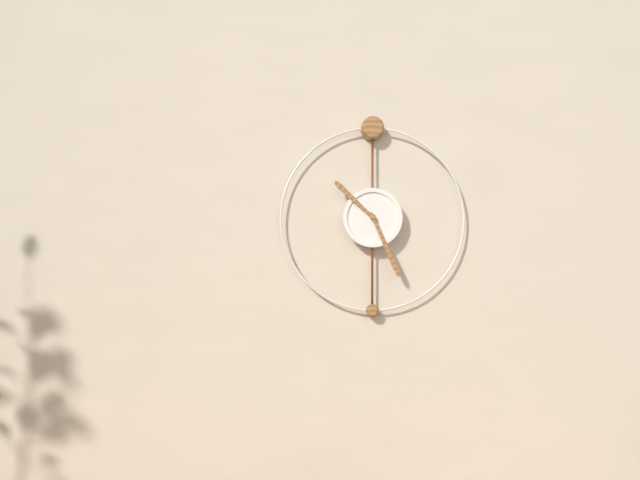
10:26
